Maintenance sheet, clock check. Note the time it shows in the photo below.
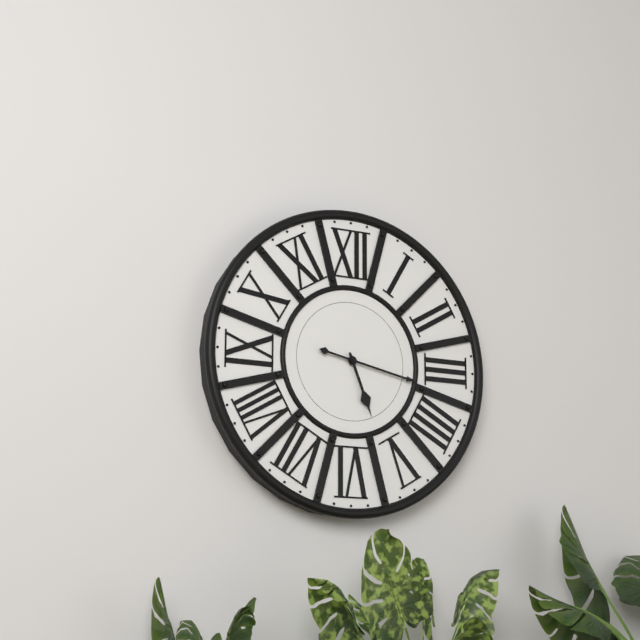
5:17
